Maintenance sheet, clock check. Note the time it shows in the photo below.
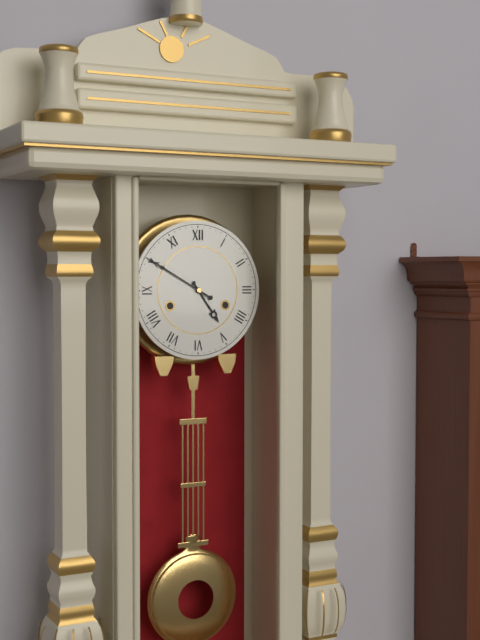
4:50
